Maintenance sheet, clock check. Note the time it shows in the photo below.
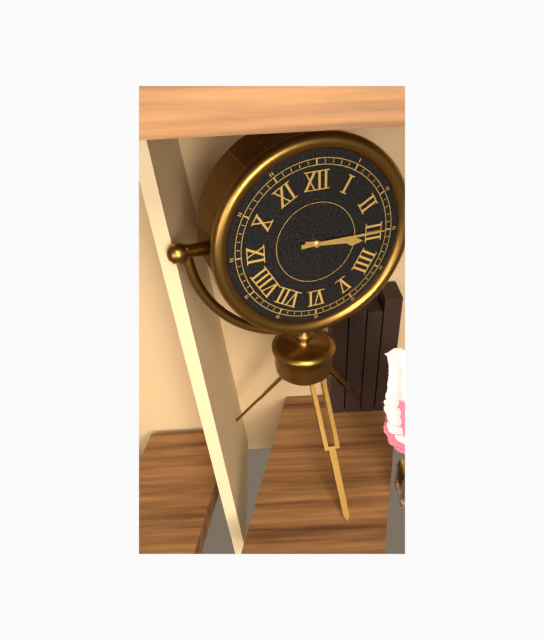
3:15
